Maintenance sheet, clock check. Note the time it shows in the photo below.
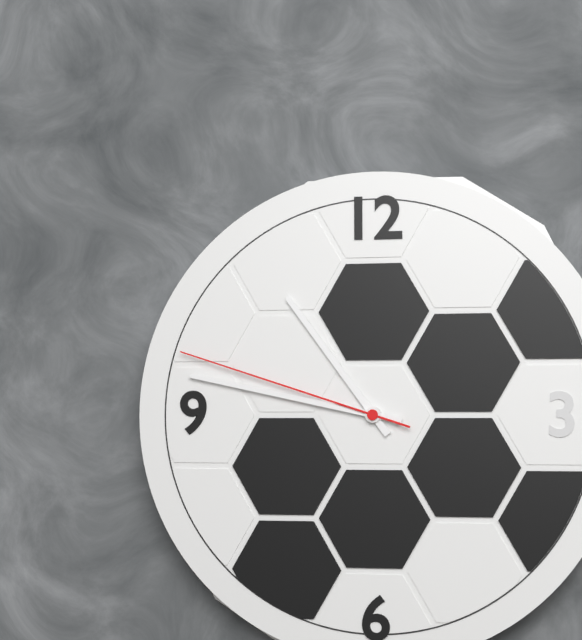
10:47:48
